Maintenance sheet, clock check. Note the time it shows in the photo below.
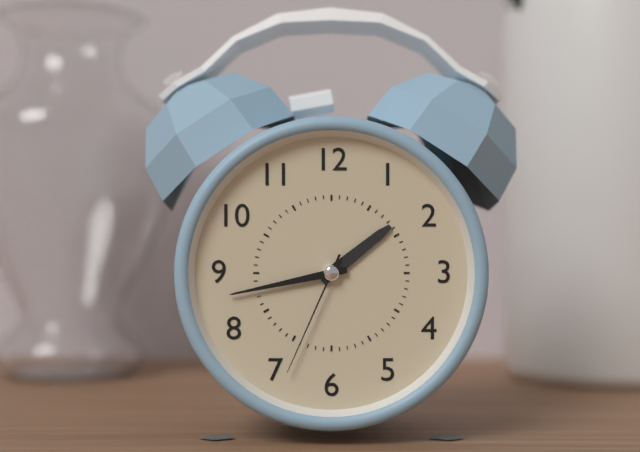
1:43:34
